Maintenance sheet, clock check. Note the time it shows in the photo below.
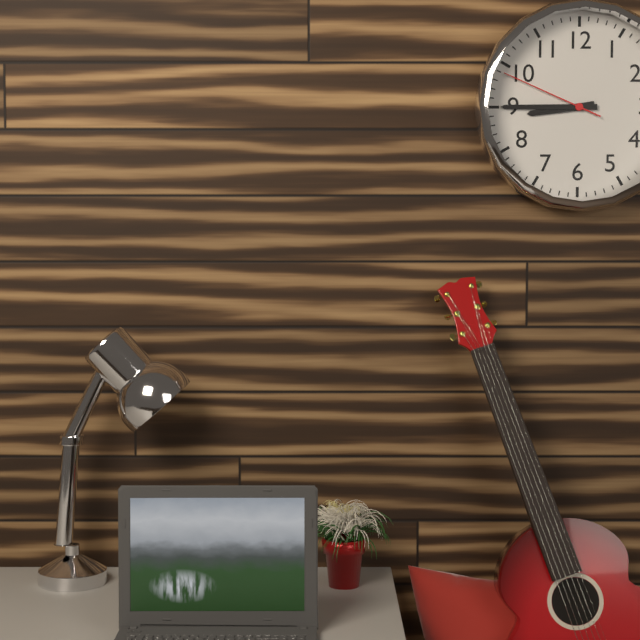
8:45:49
